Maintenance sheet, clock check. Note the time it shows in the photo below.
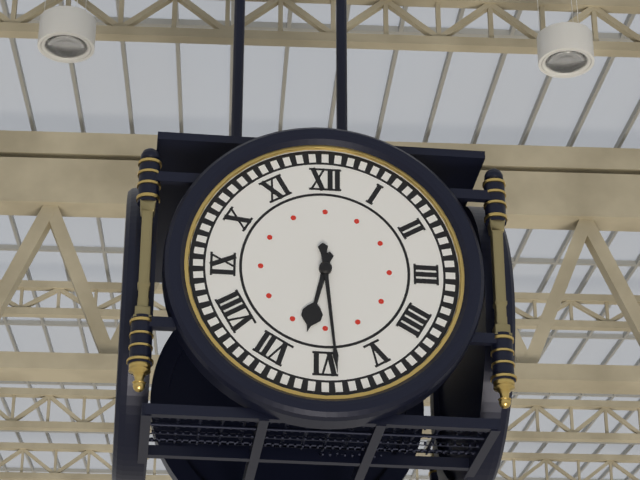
6:29
